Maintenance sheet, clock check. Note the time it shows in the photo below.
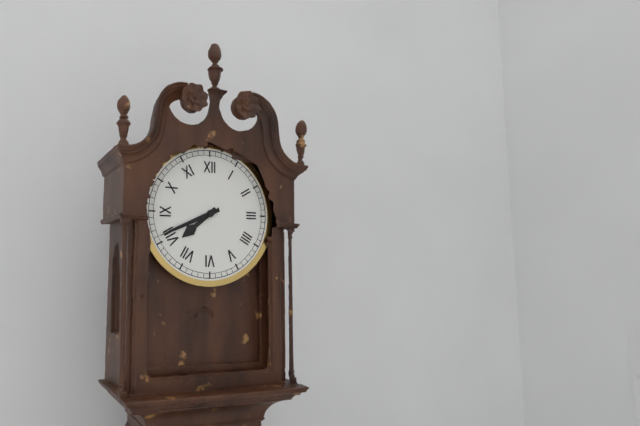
7:41
